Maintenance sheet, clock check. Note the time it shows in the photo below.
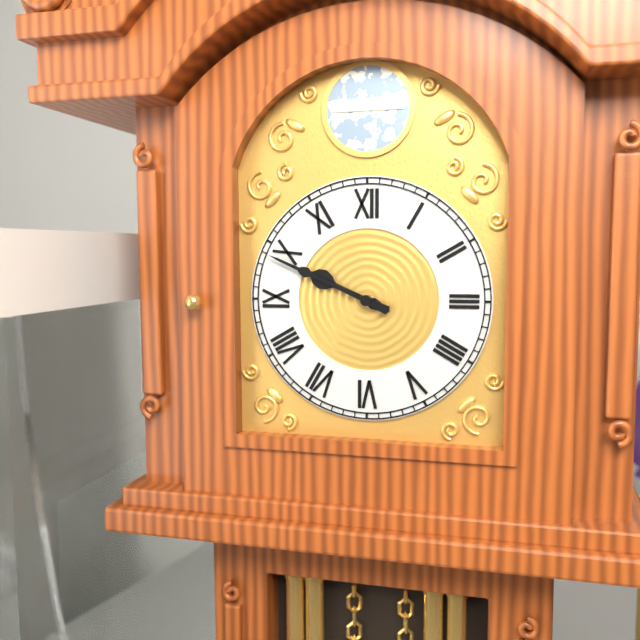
9:49
